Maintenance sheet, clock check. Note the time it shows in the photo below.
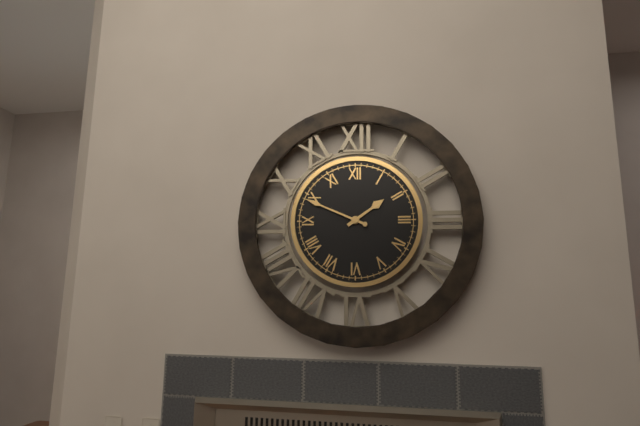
1:49
